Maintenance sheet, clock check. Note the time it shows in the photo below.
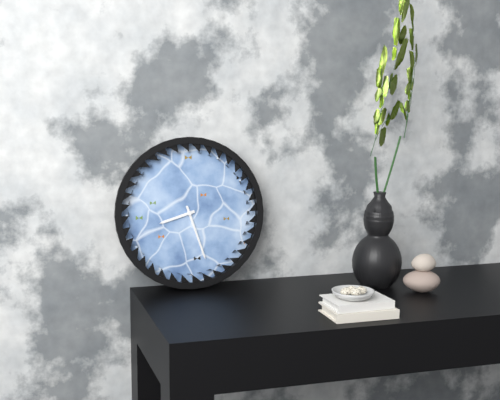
8:27
